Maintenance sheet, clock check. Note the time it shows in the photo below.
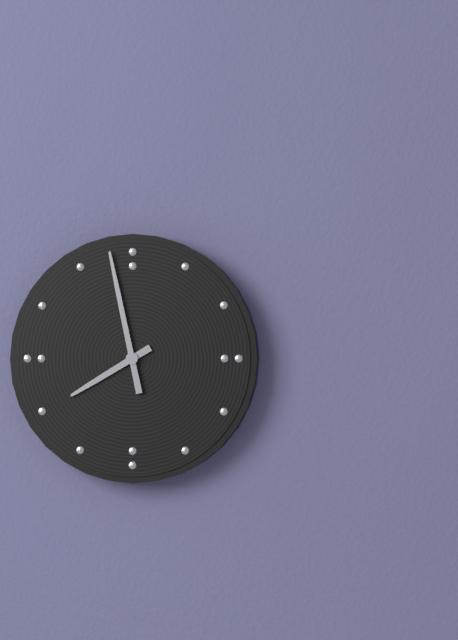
7:58
